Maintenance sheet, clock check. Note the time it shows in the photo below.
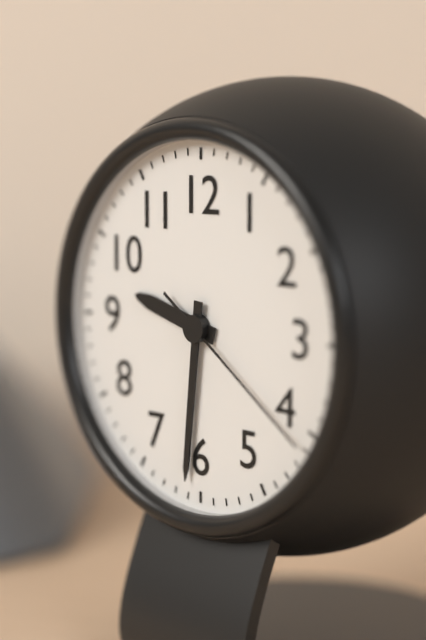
9:31:21
